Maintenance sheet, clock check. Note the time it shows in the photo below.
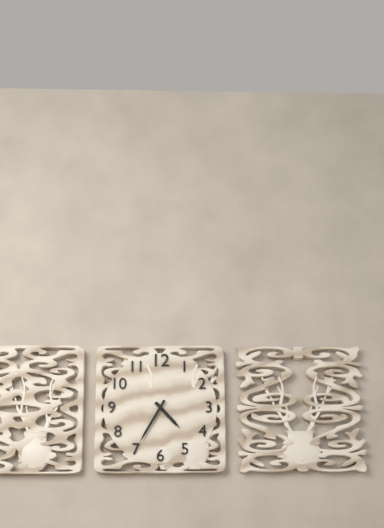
4:35
